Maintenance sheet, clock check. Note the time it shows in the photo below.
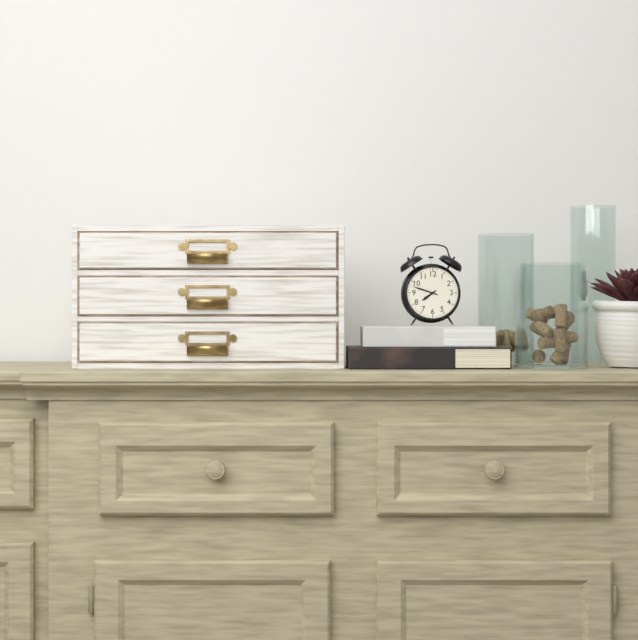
7:48
